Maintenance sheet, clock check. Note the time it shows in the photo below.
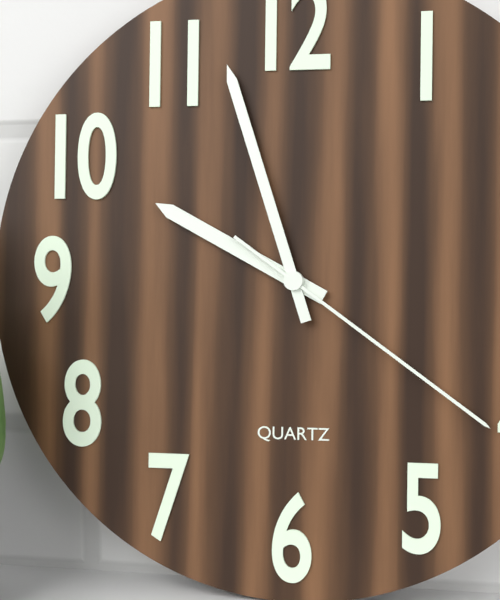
9:57:21
